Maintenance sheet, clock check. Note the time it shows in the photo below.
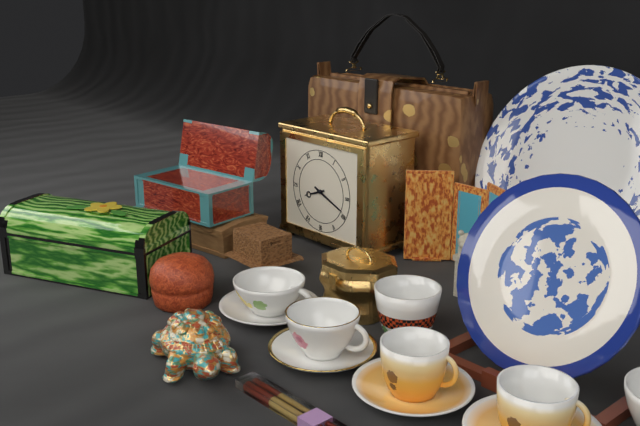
8:19
